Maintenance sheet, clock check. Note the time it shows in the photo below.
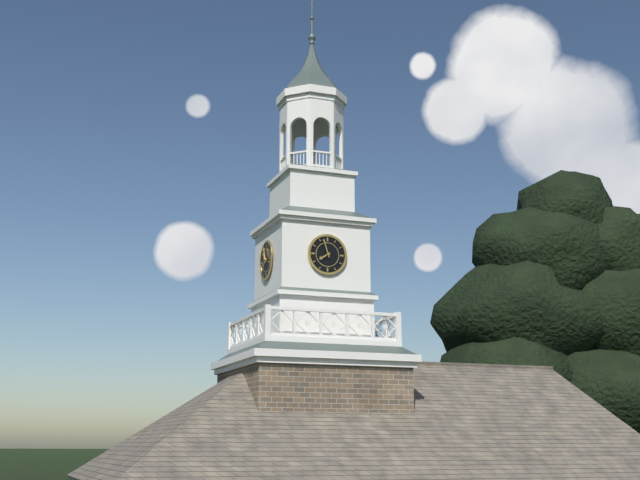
7:57
